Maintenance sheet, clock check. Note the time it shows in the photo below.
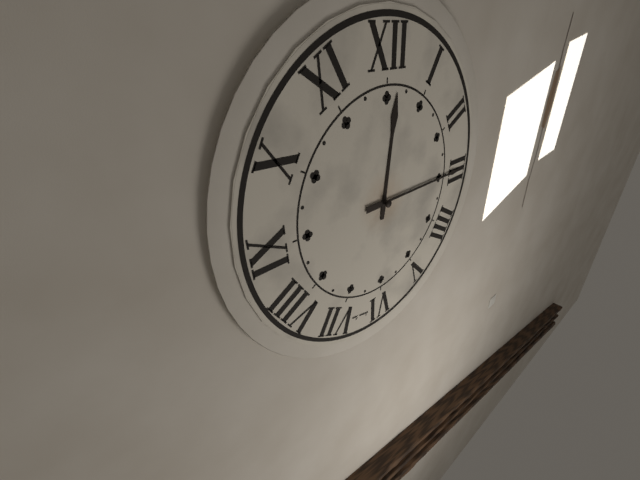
12:15
